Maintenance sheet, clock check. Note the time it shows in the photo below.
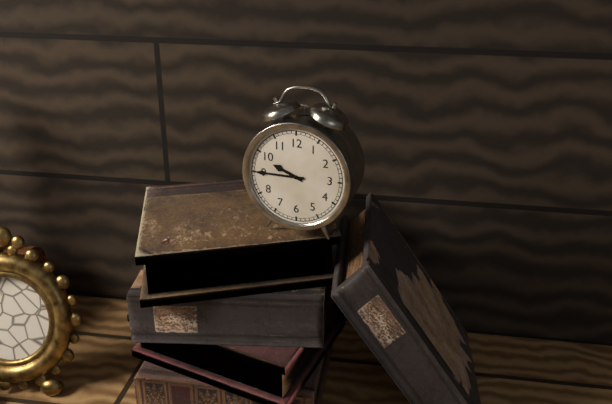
9:45
